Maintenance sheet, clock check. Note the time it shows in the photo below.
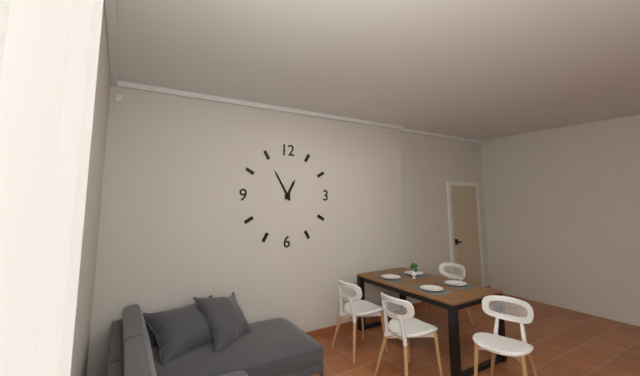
12:55
